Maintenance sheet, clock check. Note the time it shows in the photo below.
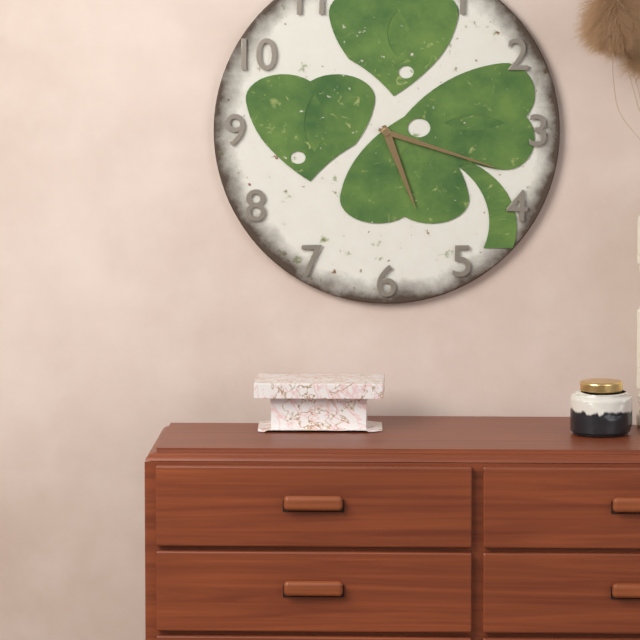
5:18
